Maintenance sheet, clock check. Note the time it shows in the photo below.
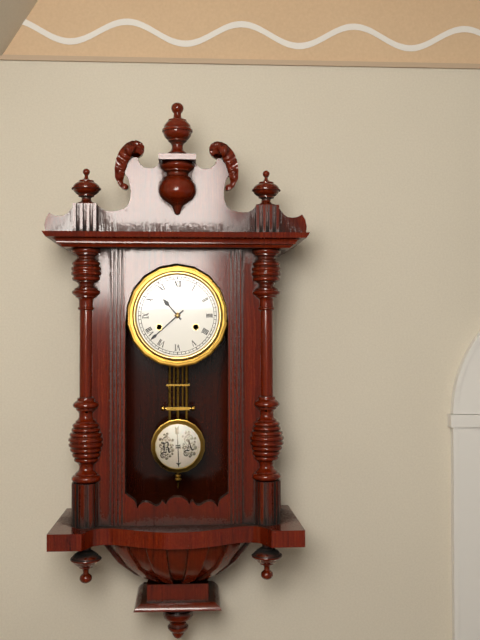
10:38
